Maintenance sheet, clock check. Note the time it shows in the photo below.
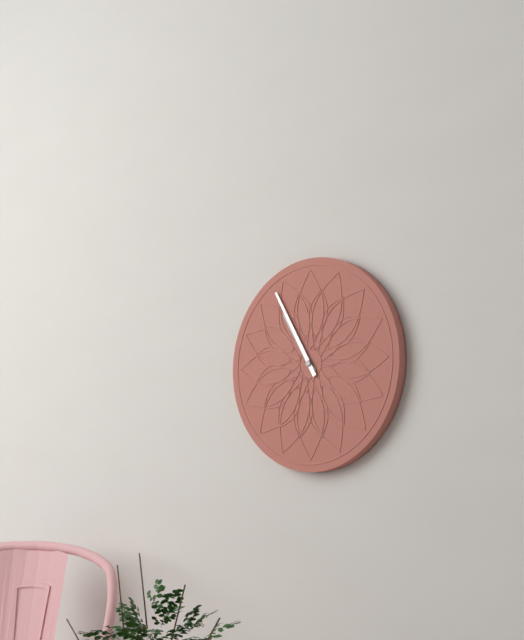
10:55
